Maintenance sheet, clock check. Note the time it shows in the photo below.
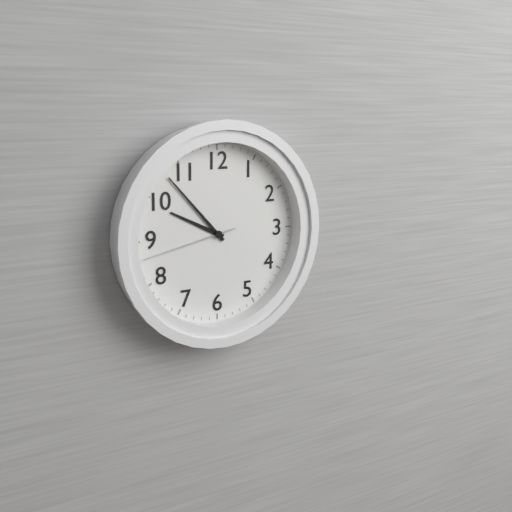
9:53:43
